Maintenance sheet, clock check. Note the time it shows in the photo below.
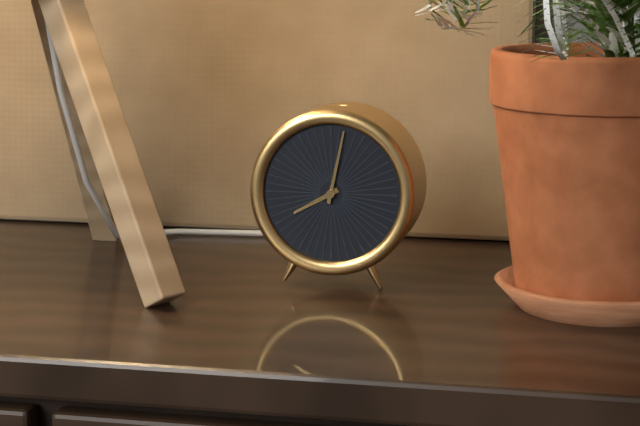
8:02
